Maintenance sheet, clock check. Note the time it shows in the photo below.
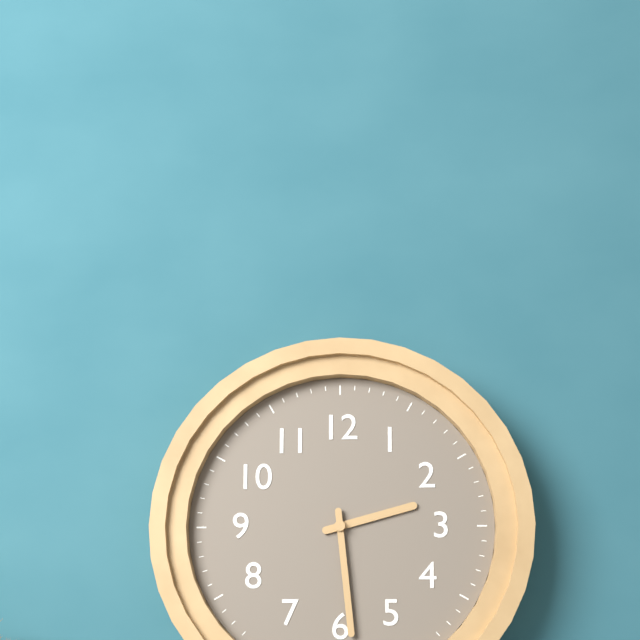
2:29
